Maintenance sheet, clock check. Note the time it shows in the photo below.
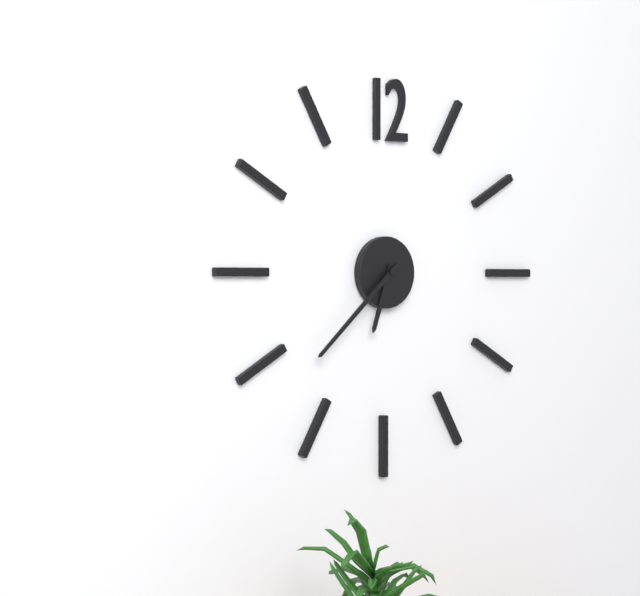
6:38
